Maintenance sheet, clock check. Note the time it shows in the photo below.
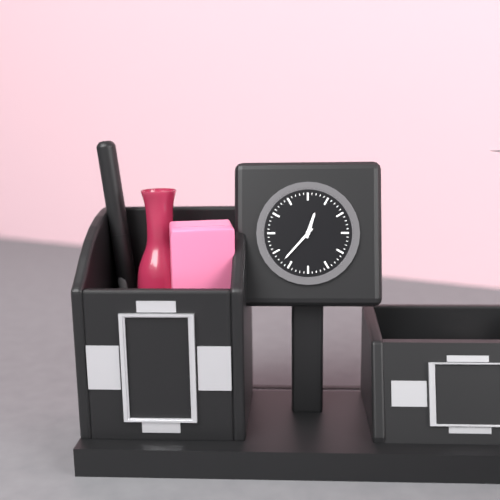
12:37
